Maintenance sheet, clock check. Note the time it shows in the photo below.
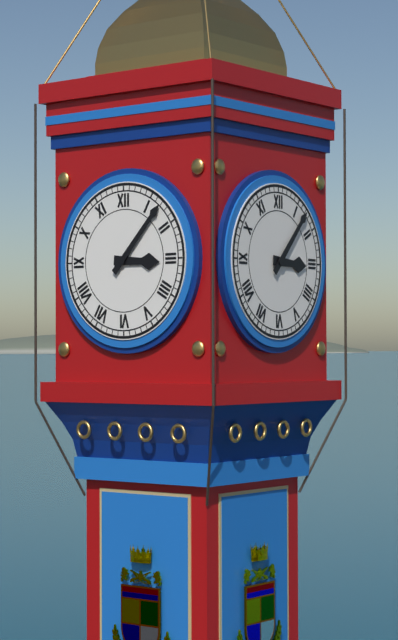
3:07
